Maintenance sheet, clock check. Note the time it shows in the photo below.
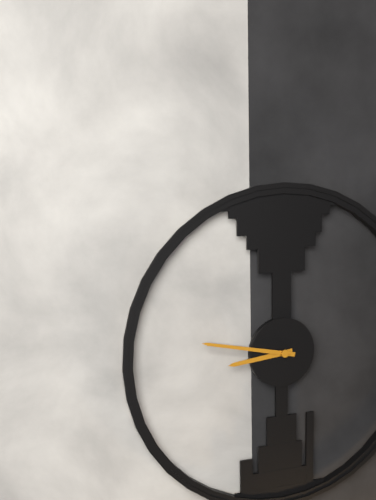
8:47
